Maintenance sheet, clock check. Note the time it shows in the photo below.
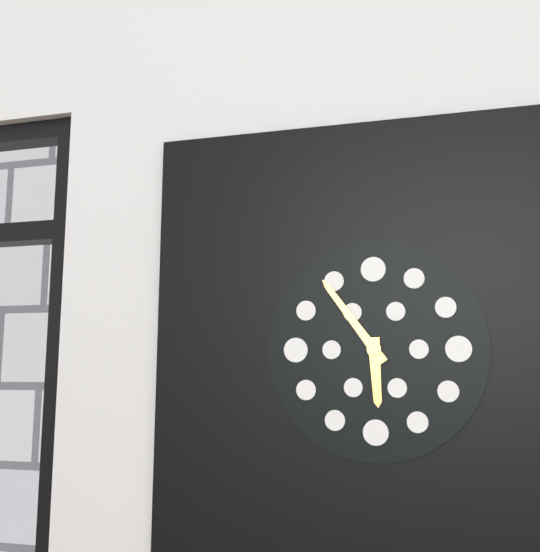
5:54
